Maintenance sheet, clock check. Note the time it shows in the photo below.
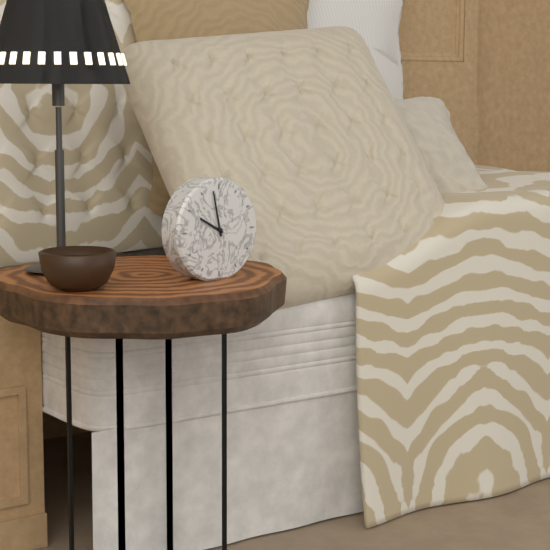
9:58
